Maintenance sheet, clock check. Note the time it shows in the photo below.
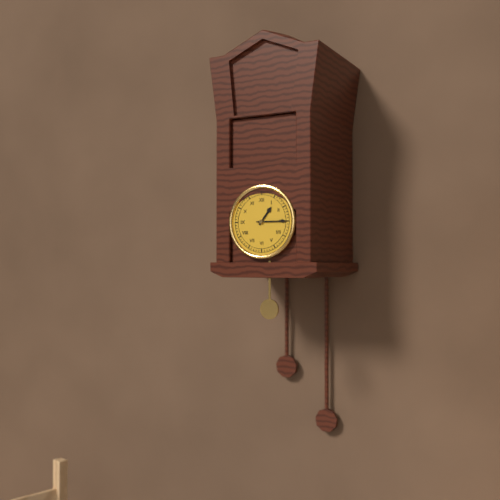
1:15
